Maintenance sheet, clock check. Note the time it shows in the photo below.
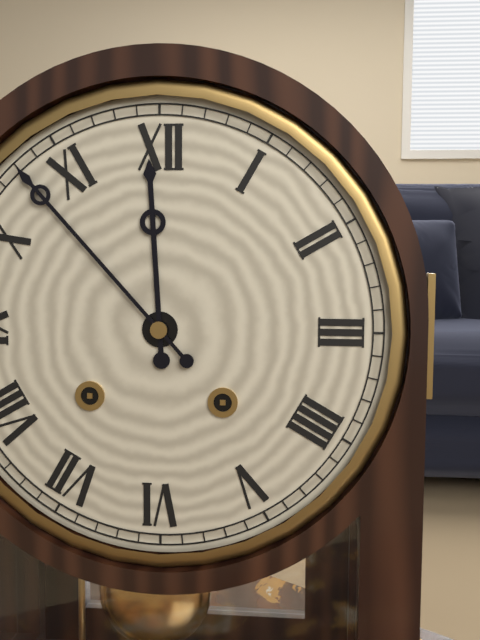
11:53
